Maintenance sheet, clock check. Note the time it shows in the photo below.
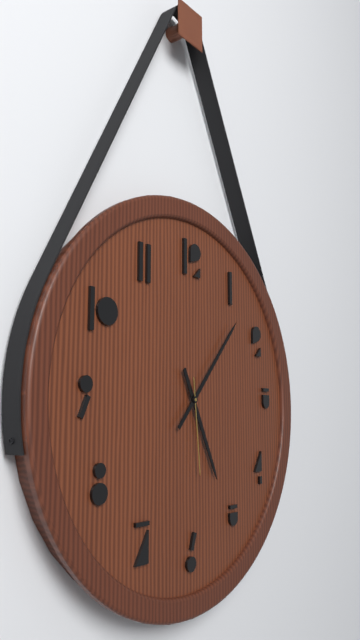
5:07:29
